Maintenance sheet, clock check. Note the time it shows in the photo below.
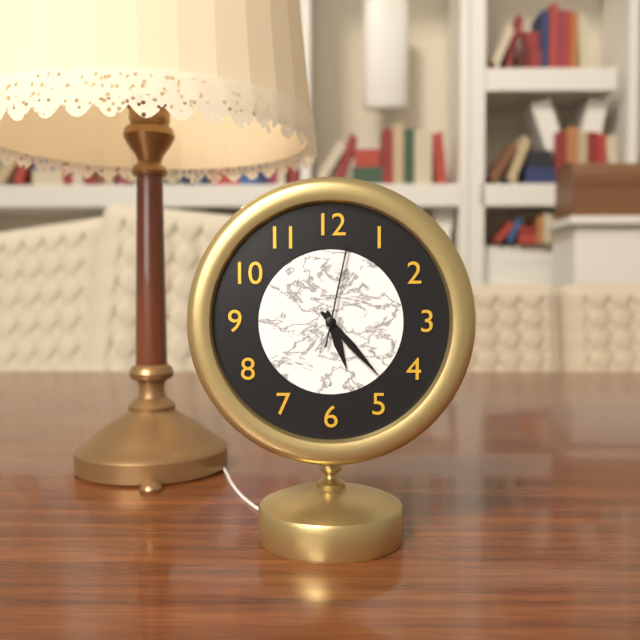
5:23:02
